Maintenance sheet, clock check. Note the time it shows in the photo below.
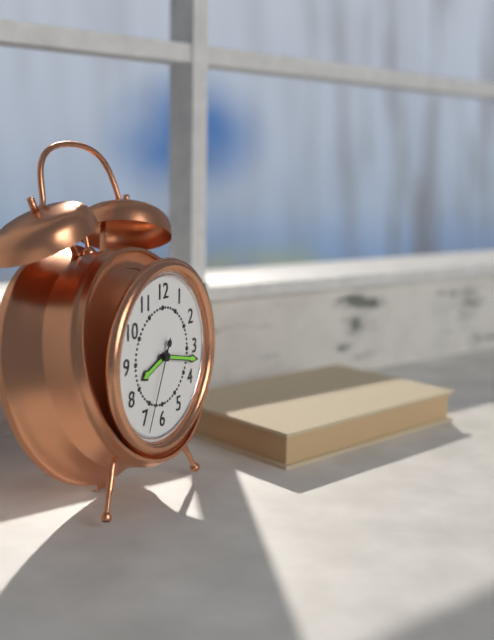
8:17:34
